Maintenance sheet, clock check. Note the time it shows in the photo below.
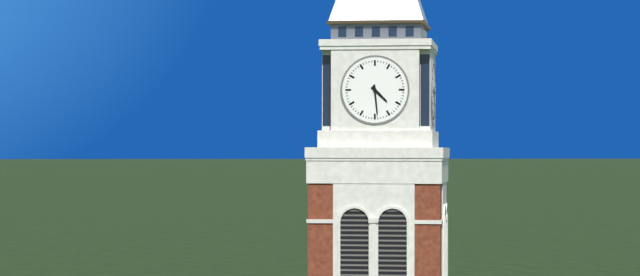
4:29
